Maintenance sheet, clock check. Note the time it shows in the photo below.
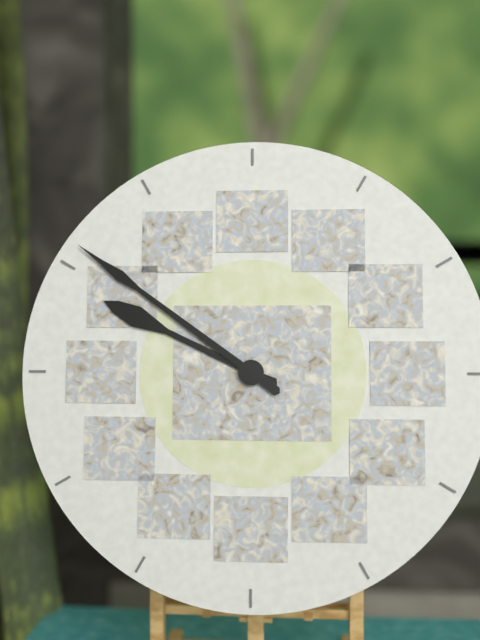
9:51
